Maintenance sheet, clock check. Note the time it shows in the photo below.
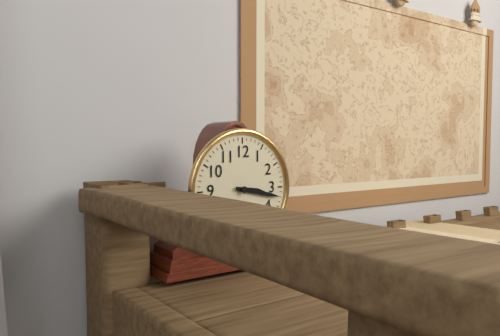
3:17
